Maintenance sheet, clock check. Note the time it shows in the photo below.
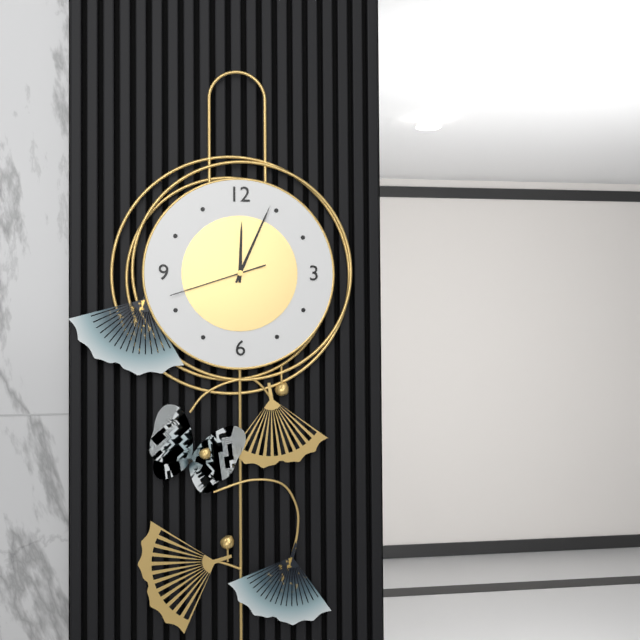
12:04:42
